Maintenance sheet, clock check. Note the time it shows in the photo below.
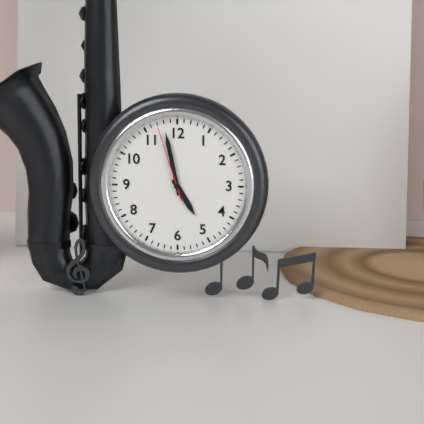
4:58:57
